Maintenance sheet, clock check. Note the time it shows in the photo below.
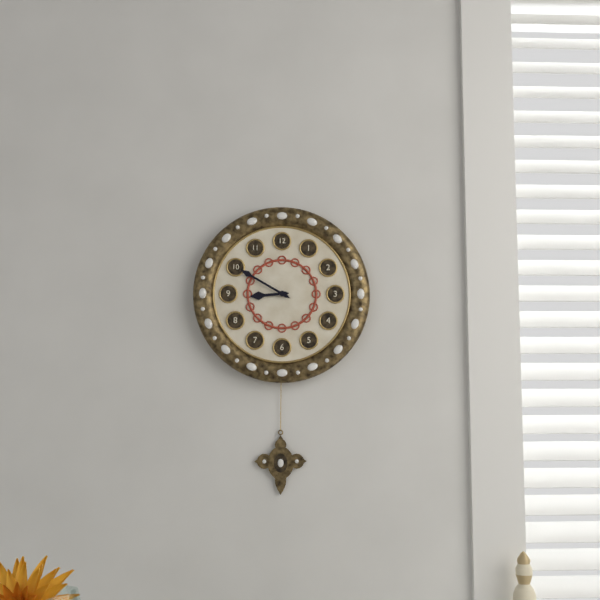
8:50
